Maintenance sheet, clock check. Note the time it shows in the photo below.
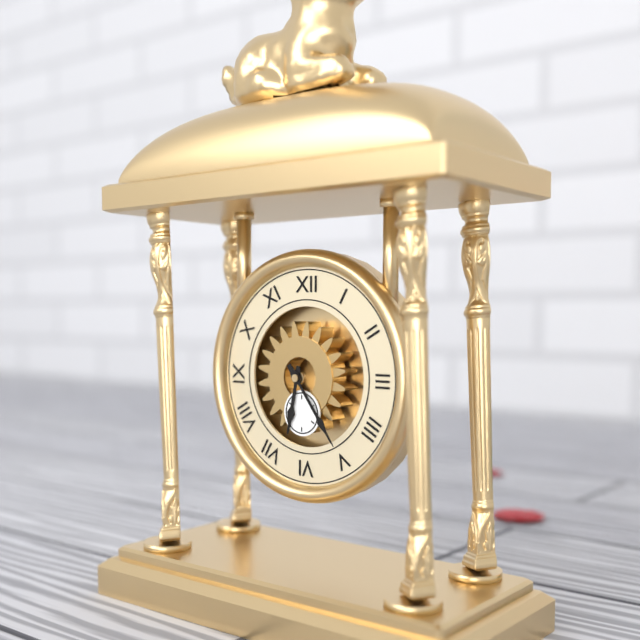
6:24
